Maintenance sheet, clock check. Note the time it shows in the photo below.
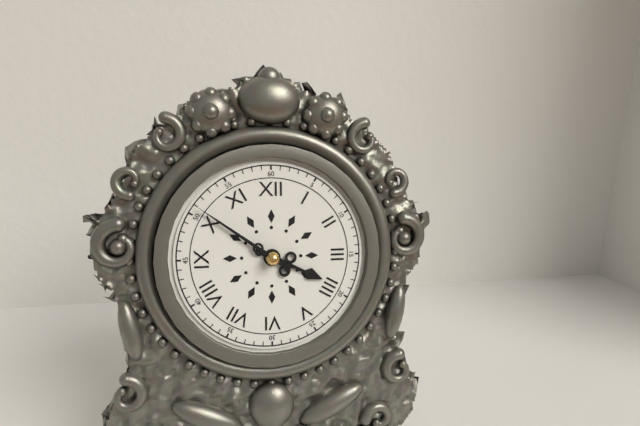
3:51
